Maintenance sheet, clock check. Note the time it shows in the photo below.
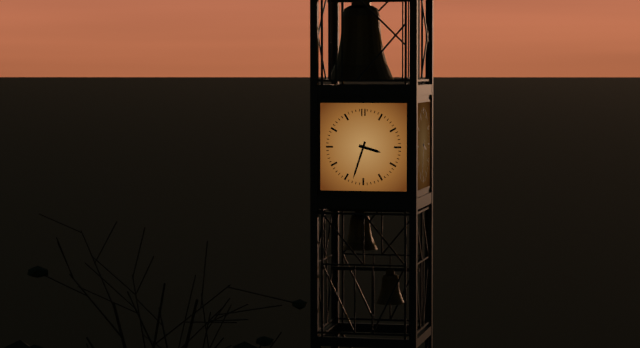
3:33
